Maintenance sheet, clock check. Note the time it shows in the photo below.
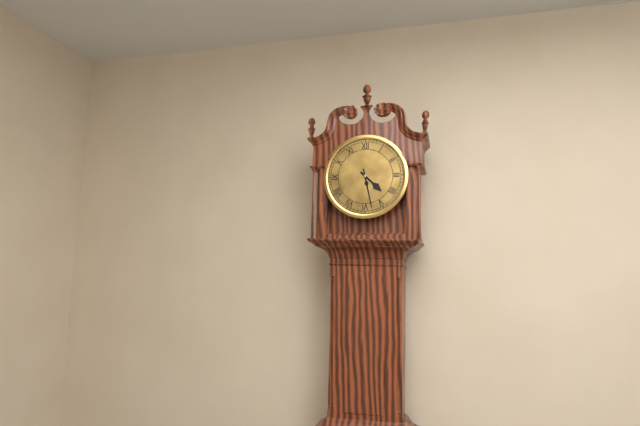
4:28
